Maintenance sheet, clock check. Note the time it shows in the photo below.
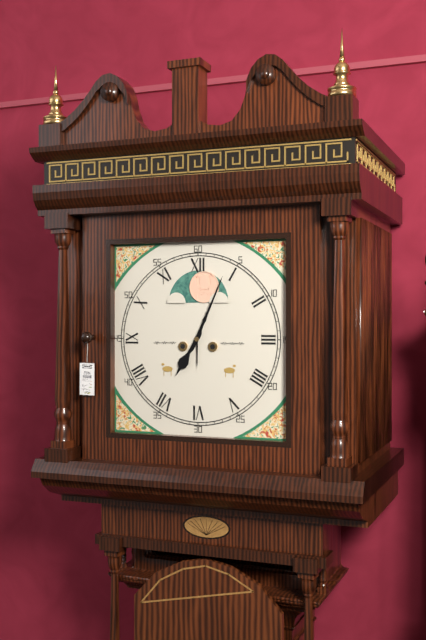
7:04
